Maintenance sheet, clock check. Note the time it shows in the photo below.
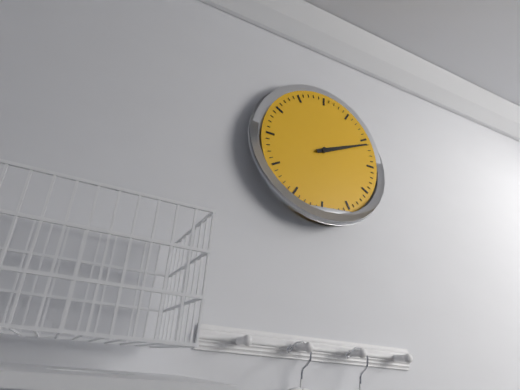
2:11
